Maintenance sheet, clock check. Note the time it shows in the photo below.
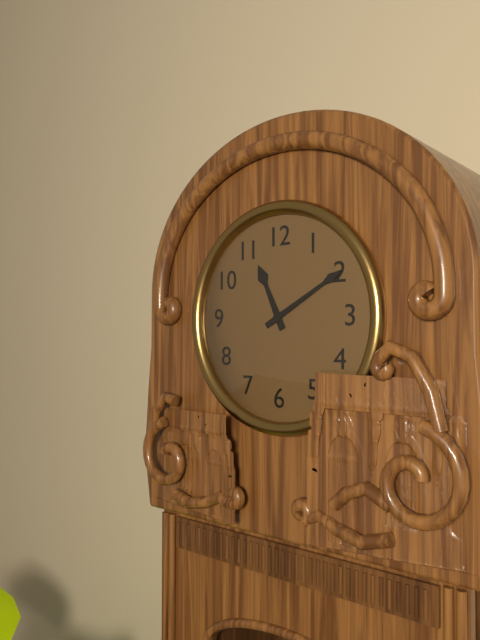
11:10
